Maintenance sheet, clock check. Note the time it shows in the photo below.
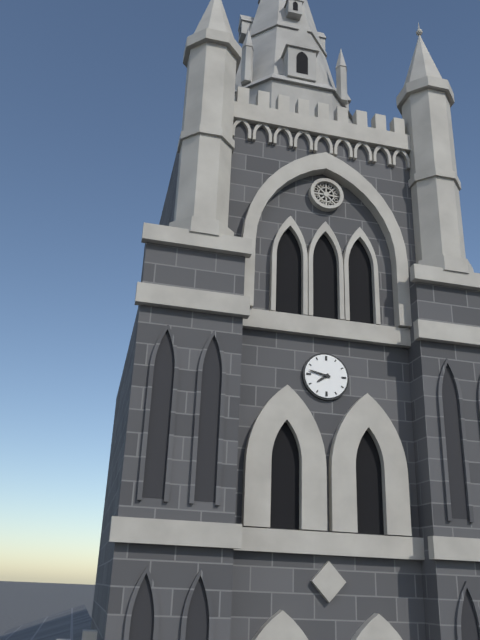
7:47
